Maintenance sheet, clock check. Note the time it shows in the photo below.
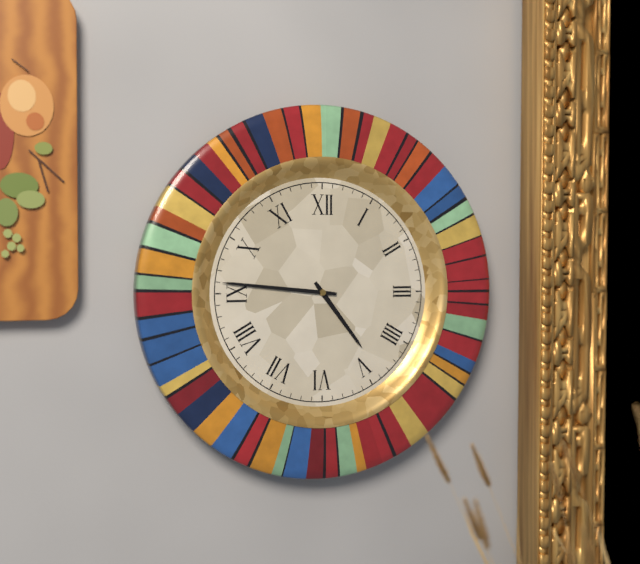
4:46
